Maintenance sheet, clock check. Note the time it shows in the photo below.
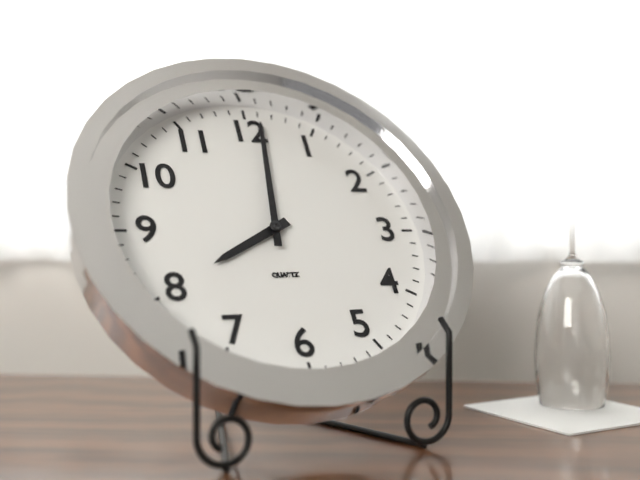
8:01
